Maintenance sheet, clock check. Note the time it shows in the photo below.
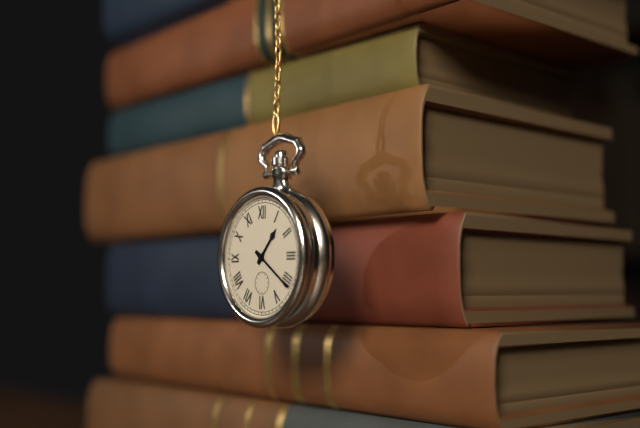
1:21
